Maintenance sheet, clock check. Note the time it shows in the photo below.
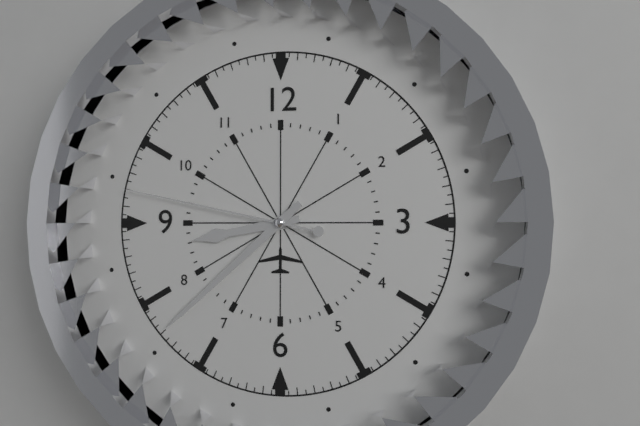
8:38:47
